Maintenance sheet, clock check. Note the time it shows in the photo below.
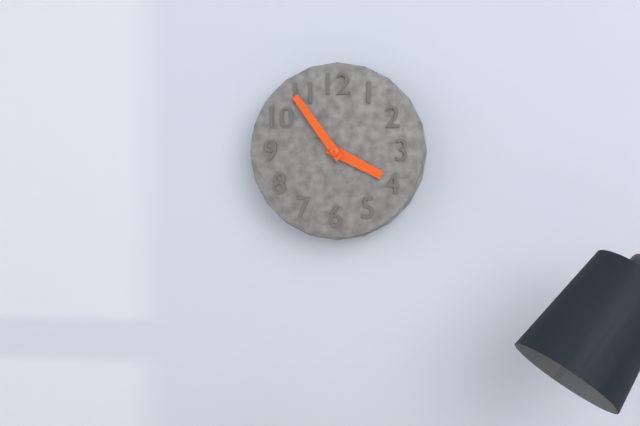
3:54
